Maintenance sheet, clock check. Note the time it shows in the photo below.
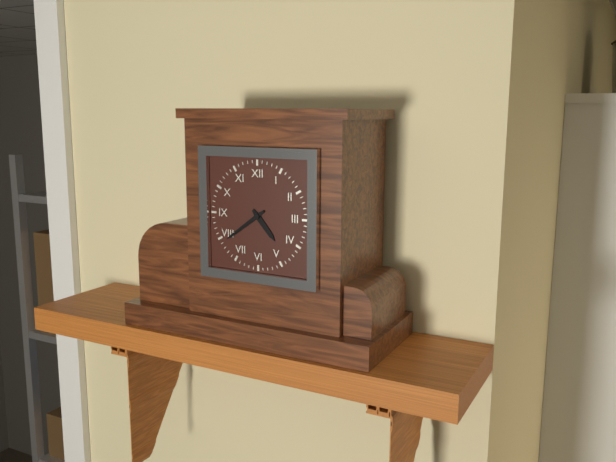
4:39
